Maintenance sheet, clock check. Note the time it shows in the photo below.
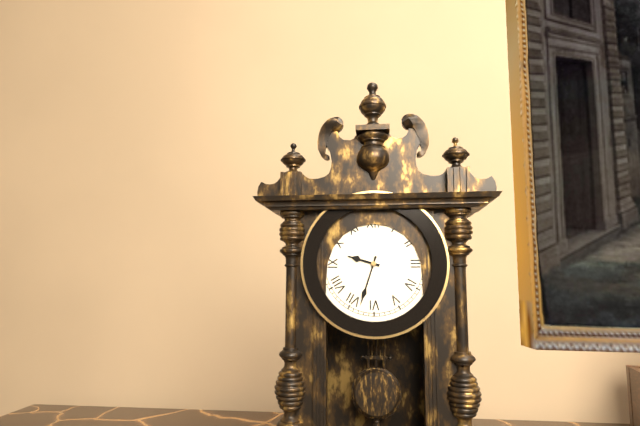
9:33
